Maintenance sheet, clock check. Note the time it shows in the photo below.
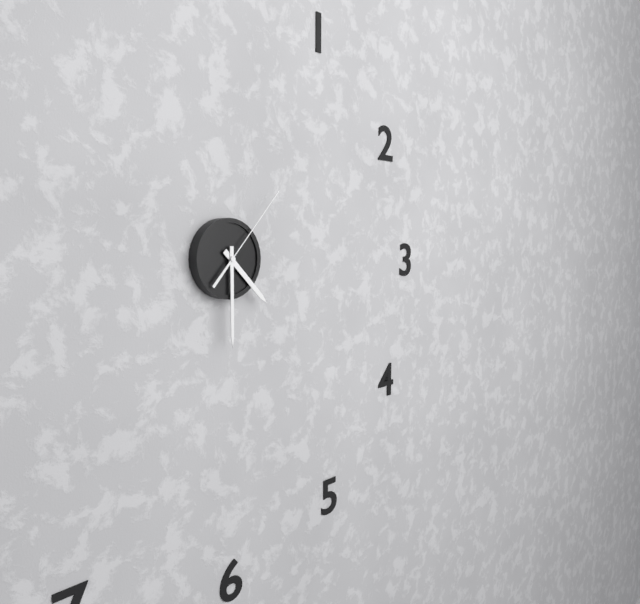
4:30:07
